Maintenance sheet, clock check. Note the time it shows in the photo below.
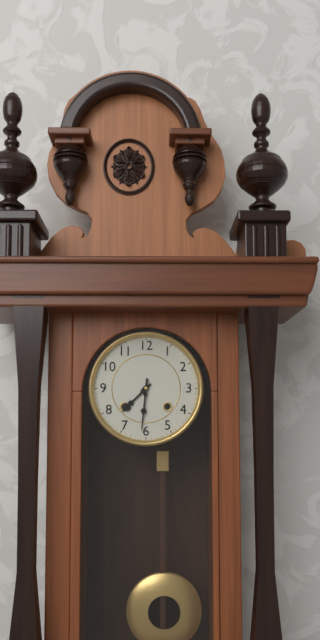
7:31
